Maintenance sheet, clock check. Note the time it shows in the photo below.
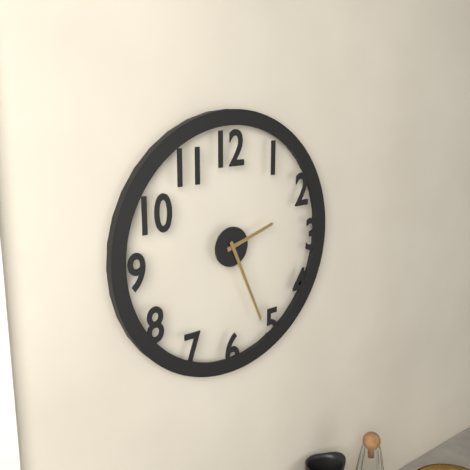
2:26
